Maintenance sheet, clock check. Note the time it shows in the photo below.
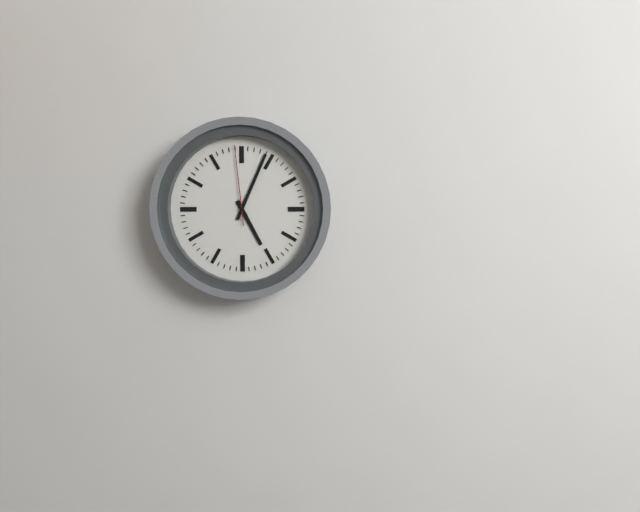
5:04:59
